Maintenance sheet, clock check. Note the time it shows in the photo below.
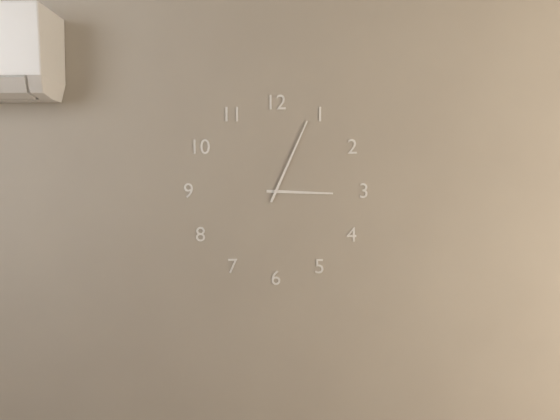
3:04
